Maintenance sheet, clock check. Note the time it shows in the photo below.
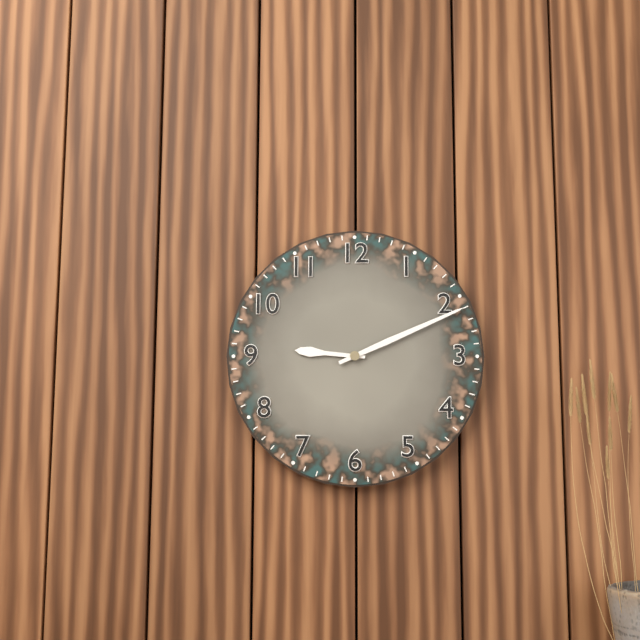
9:11
